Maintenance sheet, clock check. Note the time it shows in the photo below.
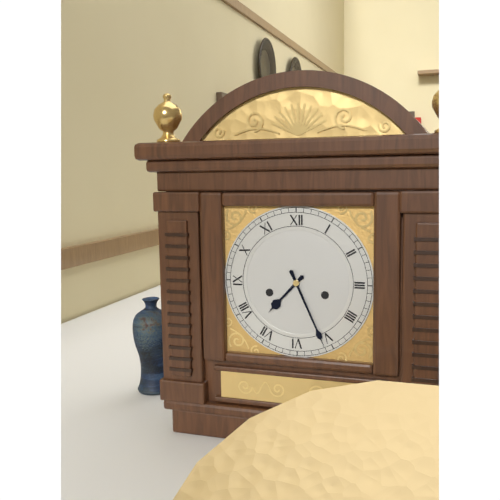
7:26
